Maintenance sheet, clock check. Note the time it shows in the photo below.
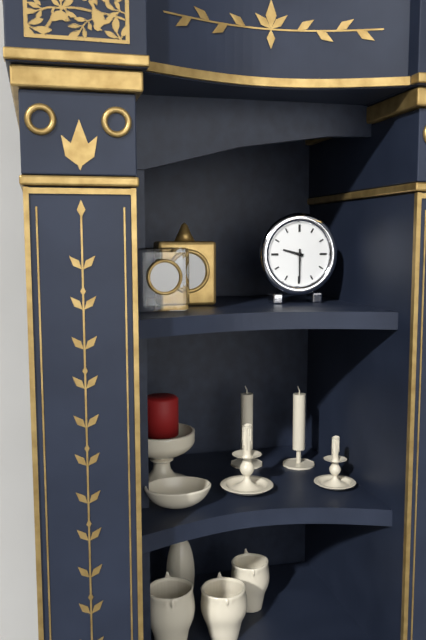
9:30
